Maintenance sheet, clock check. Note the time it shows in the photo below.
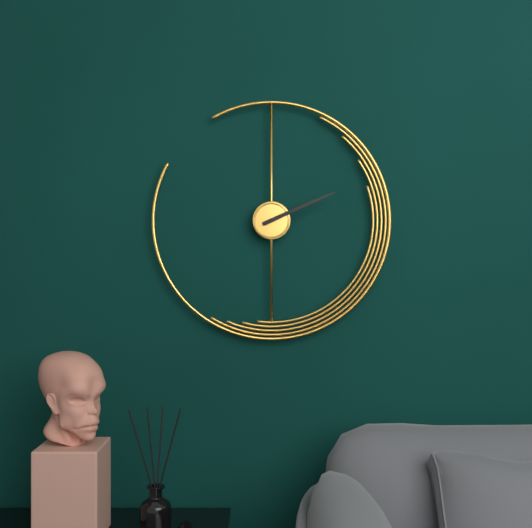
2:11
